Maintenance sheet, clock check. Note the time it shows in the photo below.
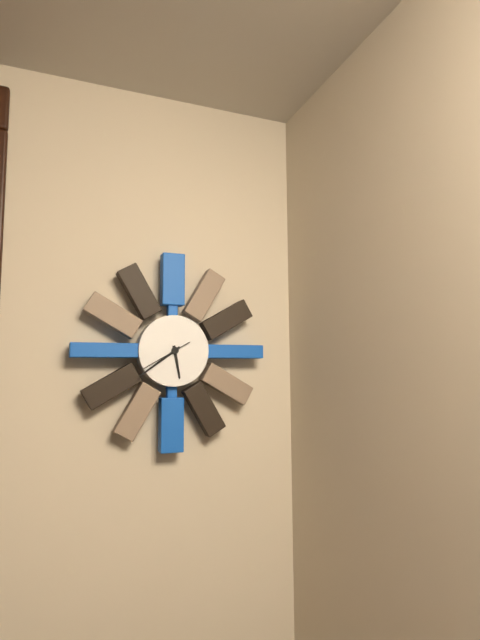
5:39
